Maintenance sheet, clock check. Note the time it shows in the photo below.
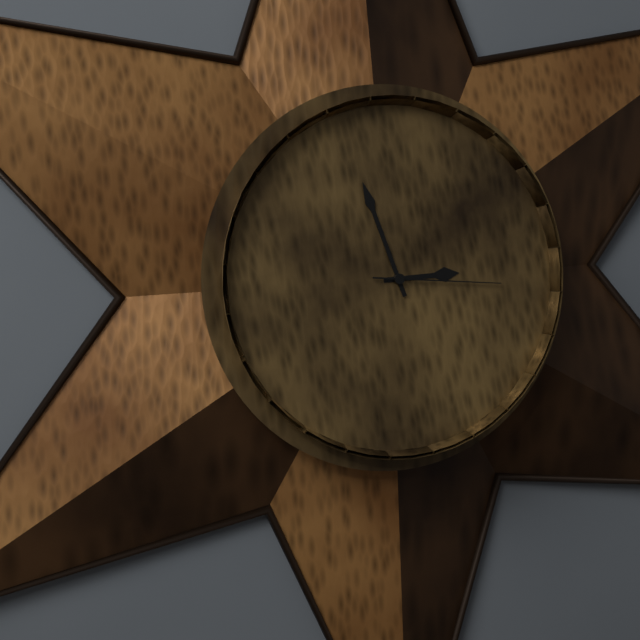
2:57:16
